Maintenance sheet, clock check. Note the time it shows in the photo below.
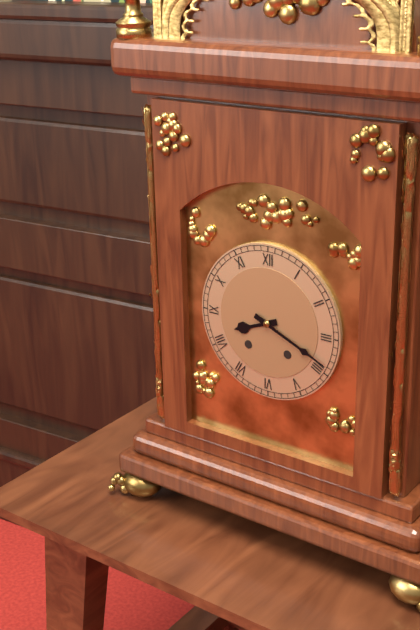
8:19
